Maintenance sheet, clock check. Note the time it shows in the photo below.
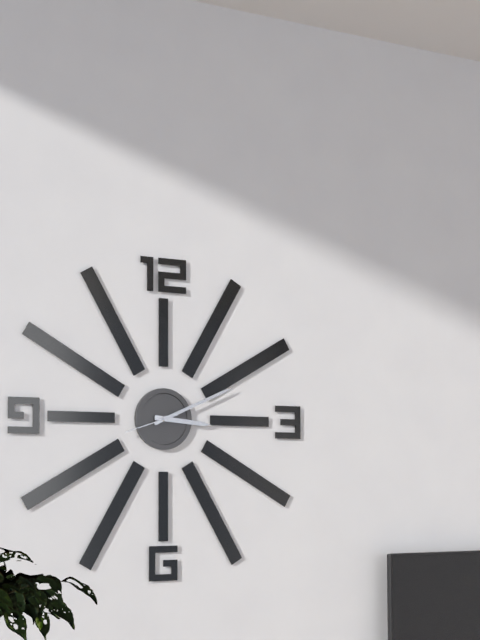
3:11:42
